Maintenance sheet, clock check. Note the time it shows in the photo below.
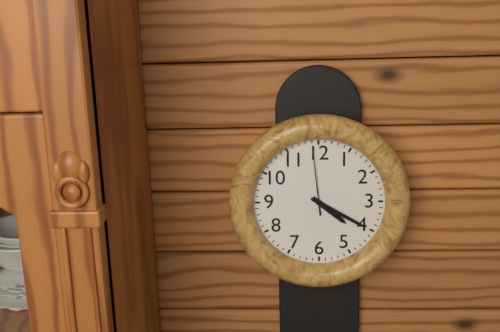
4:20:59
